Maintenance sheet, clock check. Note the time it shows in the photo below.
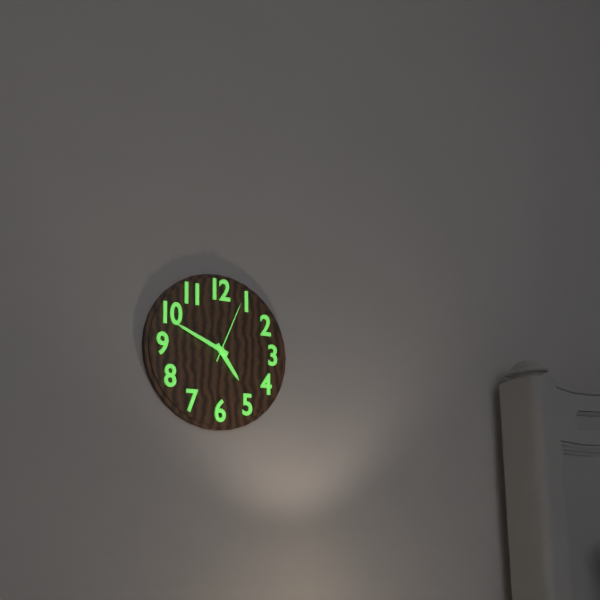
4:49:04
